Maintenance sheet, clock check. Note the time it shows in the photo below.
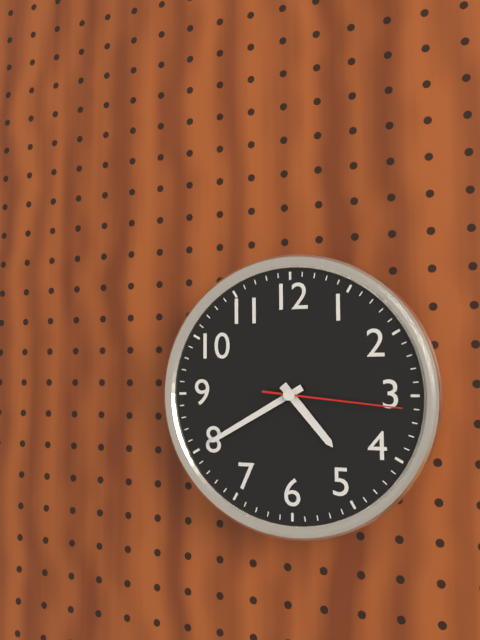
4:40:16
